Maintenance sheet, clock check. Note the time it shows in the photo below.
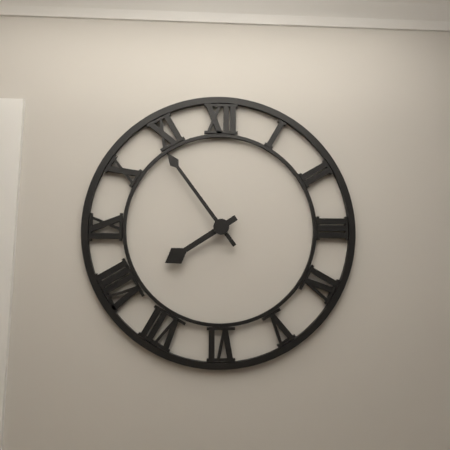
7:54
